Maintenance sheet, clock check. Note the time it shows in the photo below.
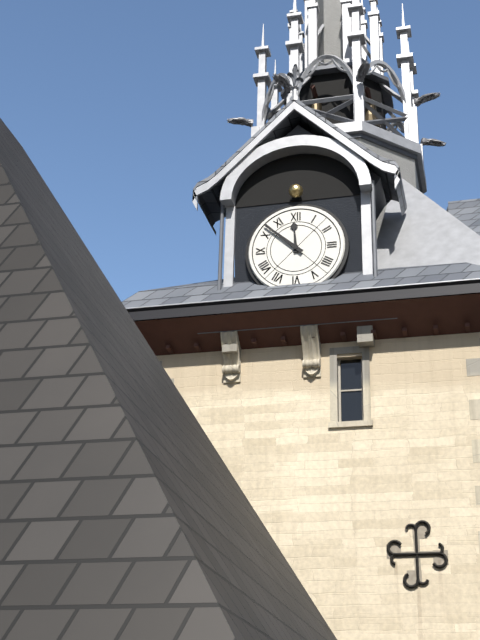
11:52
